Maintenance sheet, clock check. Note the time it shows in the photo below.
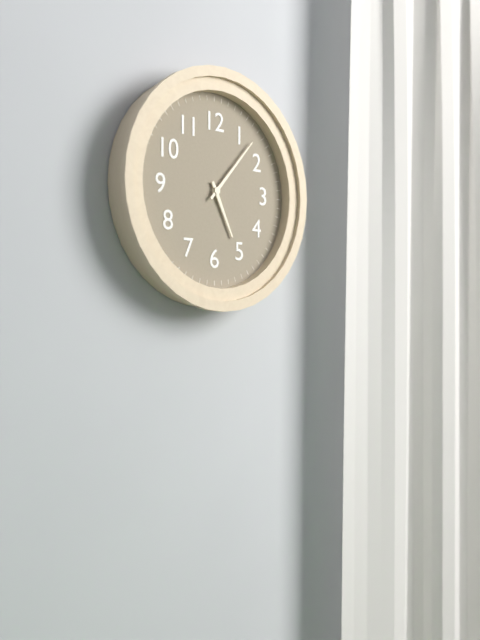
5:07
